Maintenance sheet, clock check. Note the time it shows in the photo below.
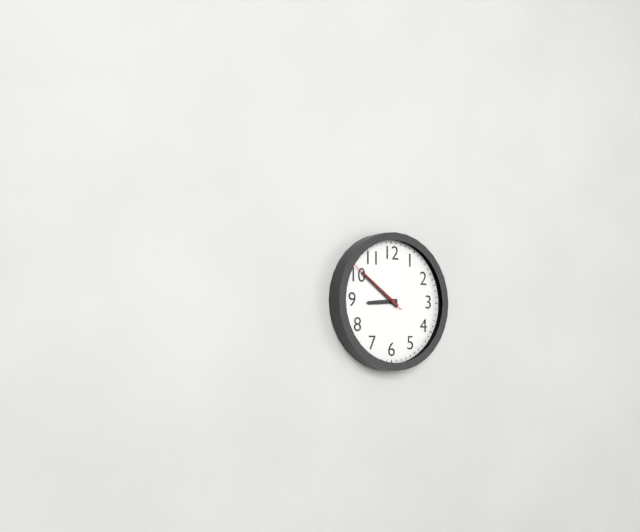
8:51:51
